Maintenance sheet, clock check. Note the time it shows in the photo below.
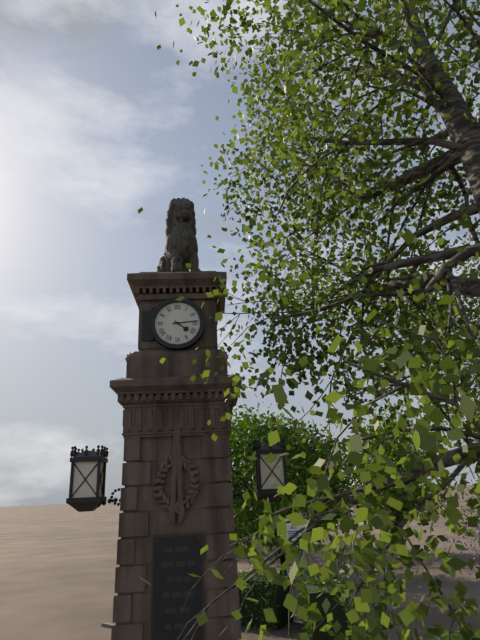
4:14
